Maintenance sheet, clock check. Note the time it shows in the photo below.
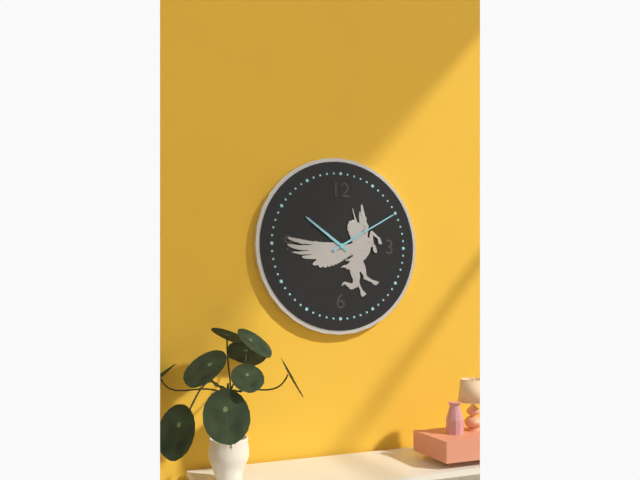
10:10
